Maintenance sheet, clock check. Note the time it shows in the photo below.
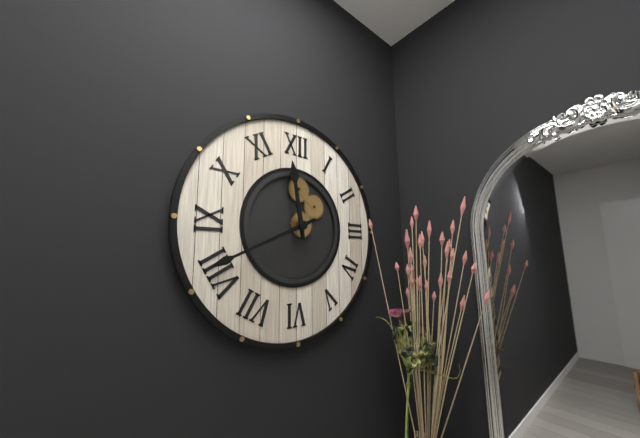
11:41
